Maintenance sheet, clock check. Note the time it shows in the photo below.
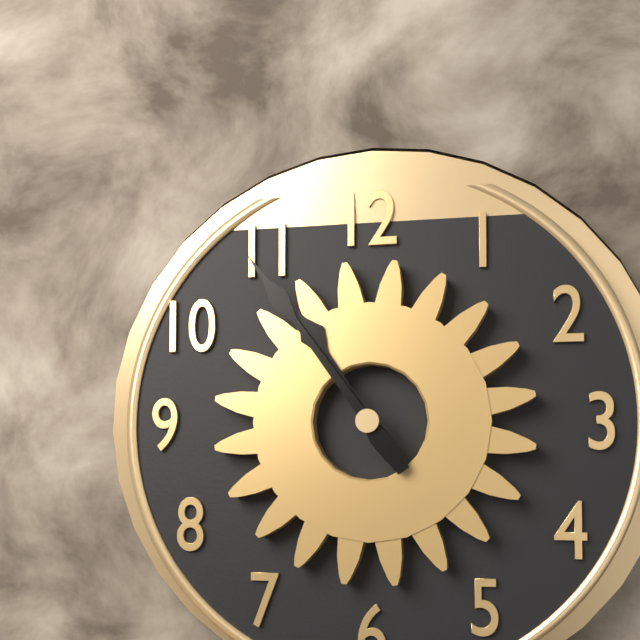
10:54
